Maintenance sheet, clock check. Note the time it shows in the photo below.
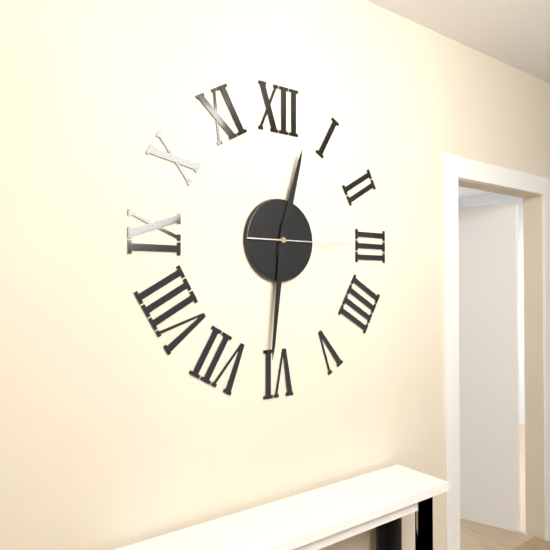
12:31:15
